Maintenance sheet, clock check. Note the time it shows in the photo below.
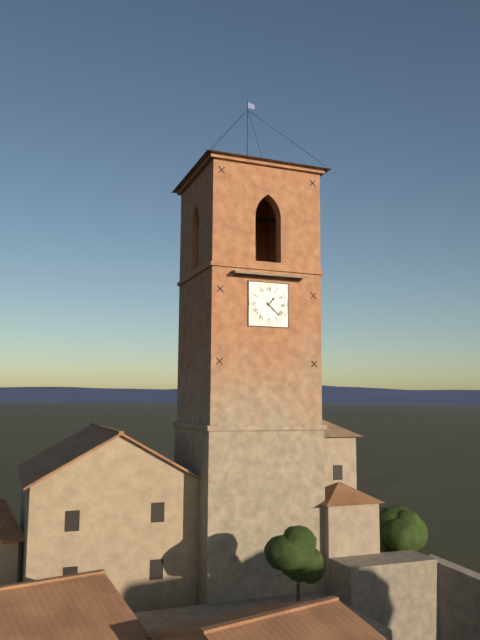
1:22
